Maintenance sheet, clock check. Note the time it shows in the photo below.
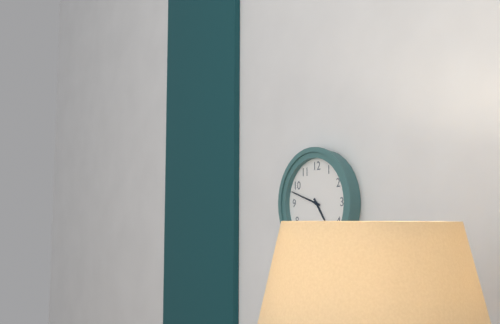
4:48
